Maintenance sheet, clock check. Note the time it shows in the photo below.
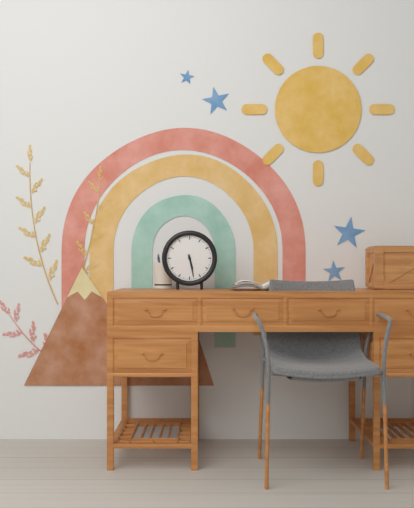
5:28
